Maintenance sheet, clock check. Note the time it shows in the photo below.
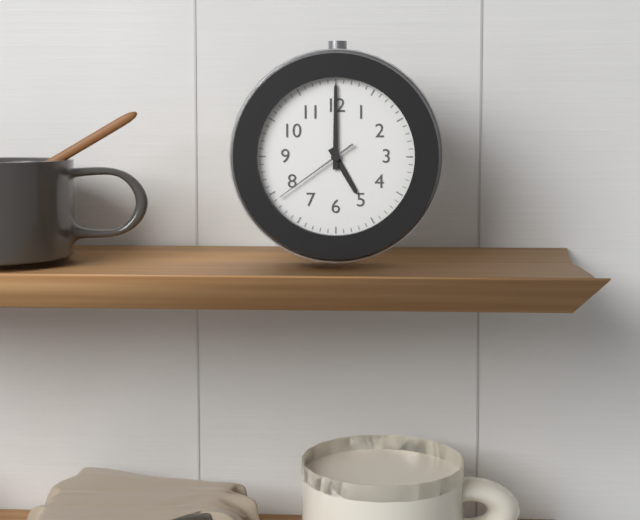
5:00:39
